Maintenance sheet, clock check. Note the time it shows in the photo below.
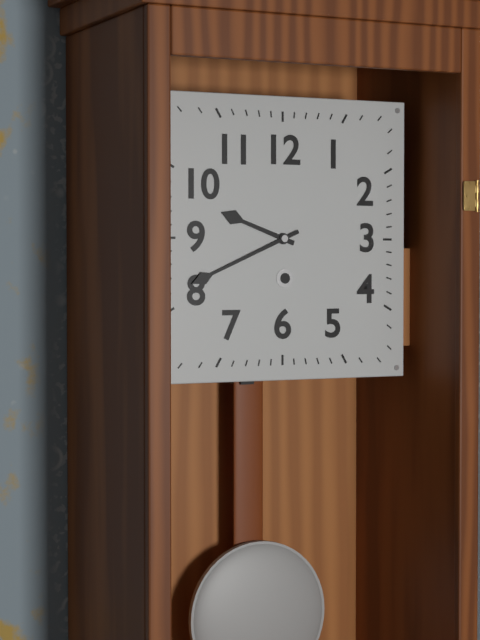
9:41
